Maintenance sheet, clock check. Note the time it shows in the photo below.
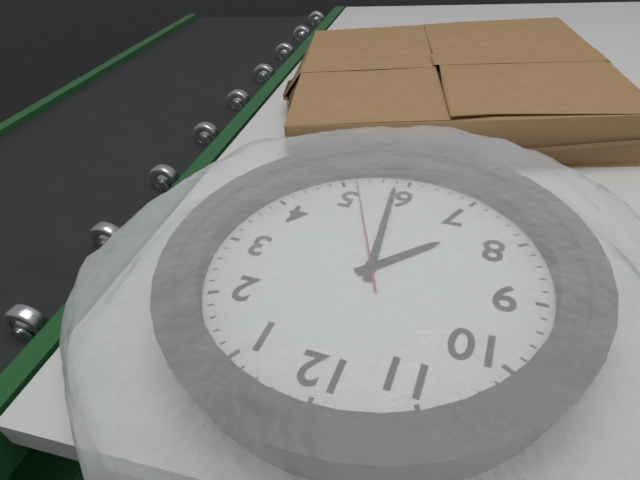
7:29:26
